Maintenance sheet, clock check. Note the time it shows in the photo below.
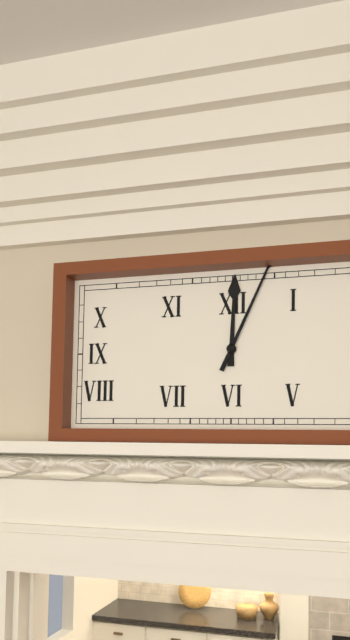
12:04
